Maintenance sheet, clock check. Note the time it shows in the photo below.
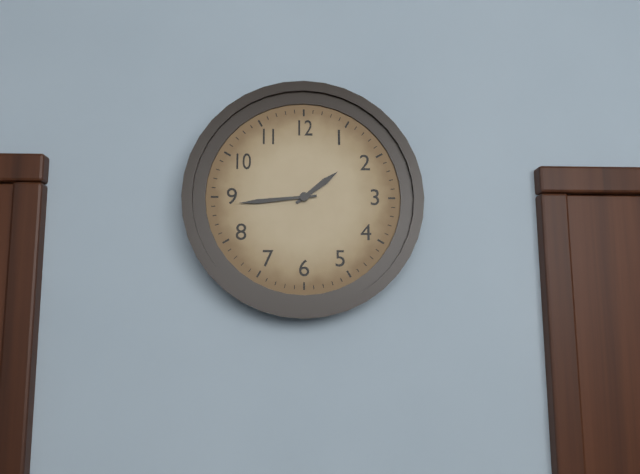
1:44
